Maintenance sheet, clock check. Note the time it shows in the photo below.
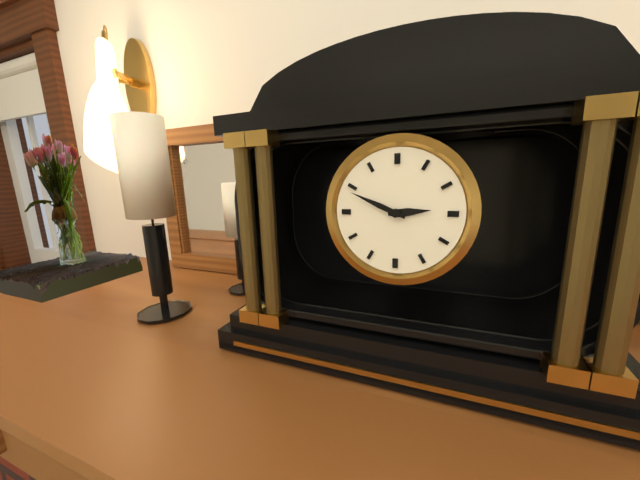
2:49
